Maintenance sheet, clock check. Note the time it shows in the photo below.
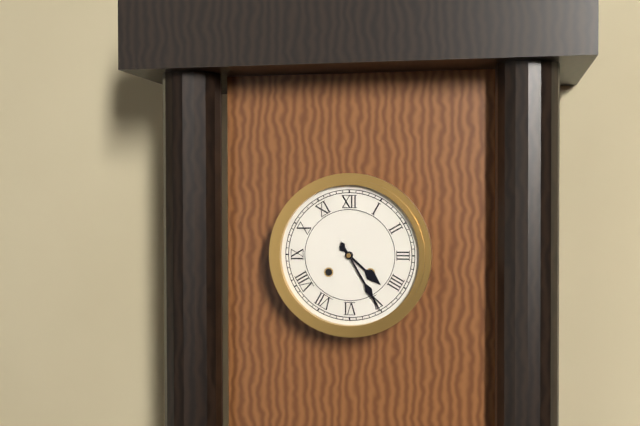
4:25
